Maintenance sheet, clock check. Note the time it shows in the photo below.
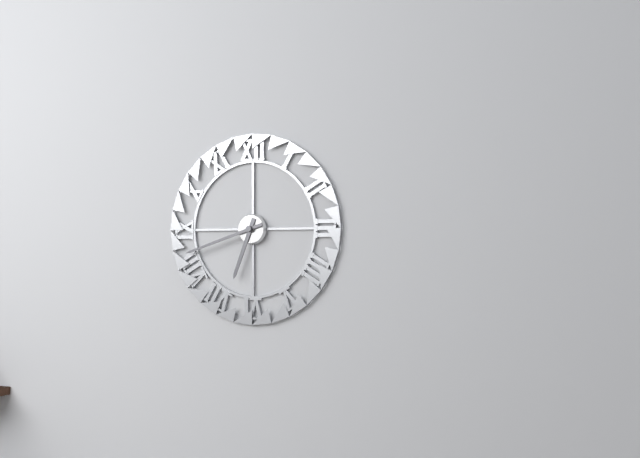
6:42
